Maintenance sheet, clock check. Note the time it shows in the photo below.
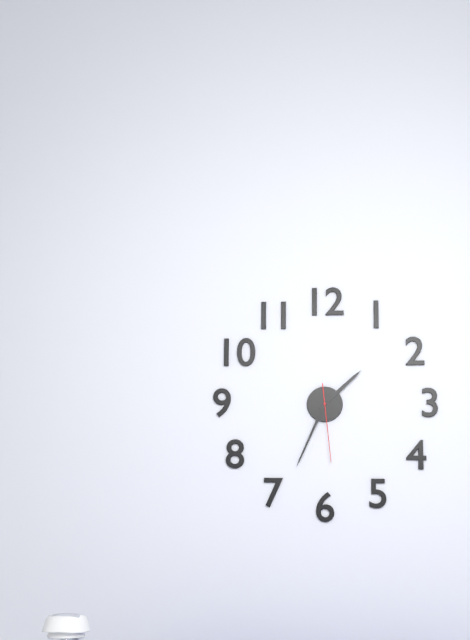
1:34:29
